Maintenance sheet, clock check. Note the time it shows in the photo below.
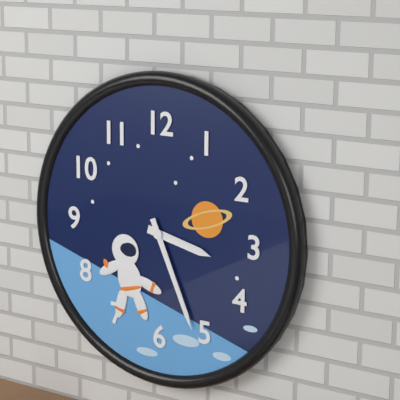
3:26
